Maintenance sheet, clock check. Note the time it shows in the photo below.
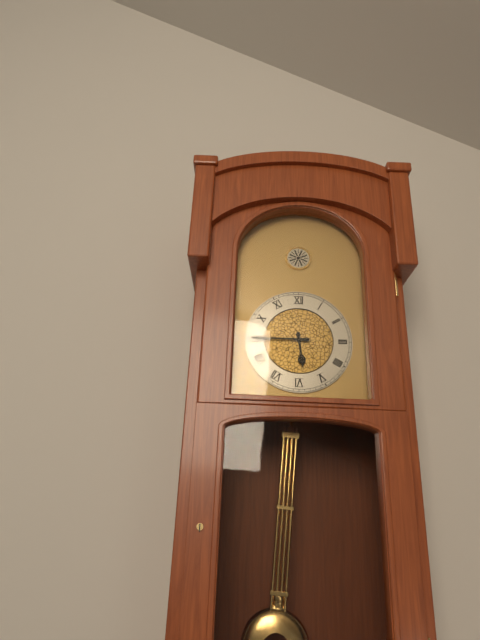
5:45
